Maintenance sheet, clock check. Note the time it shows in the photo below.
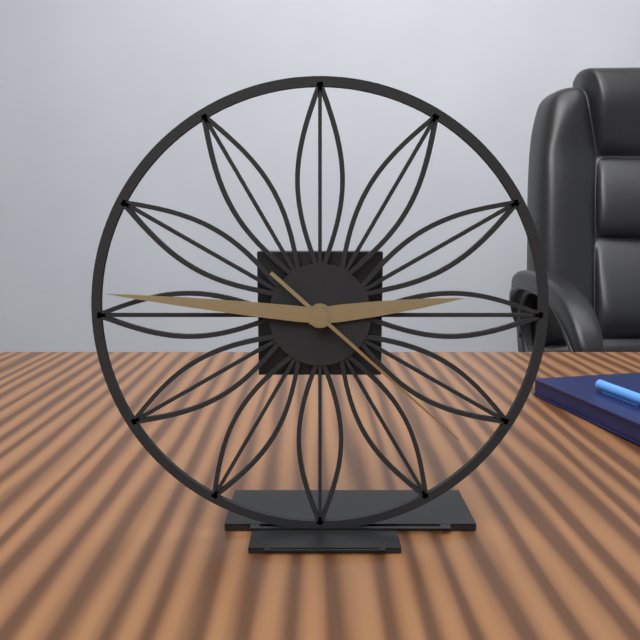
2:46:22
